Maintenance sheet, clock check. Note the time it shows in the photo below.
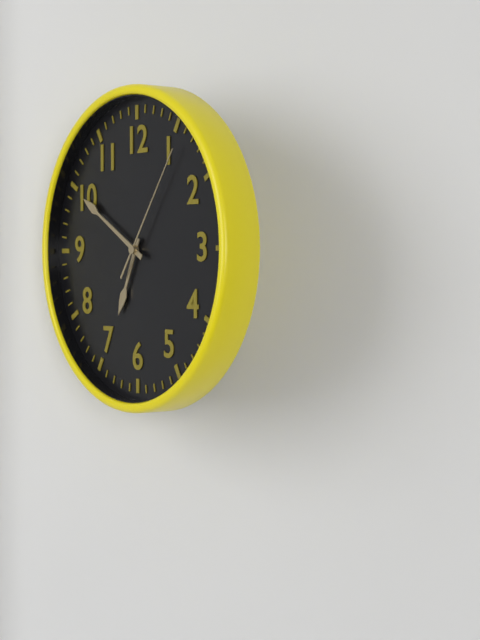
6:50:06
